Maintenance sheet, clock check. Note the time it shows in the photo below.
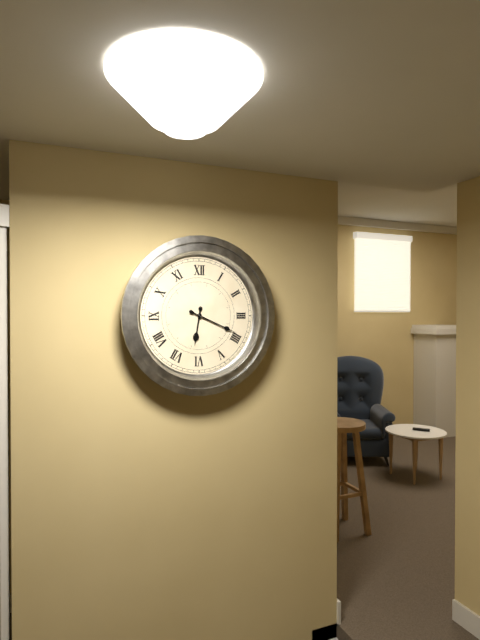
6:19
